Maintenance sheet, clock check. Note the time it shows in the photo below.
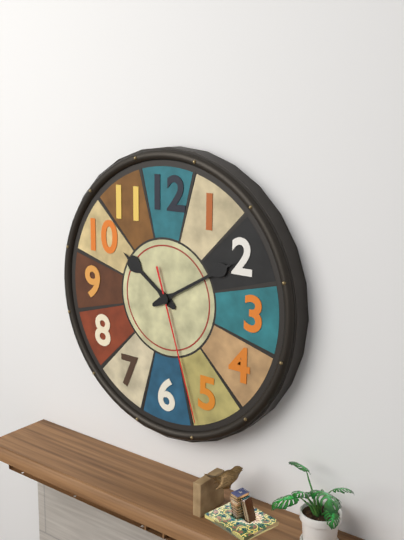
10:10:27
